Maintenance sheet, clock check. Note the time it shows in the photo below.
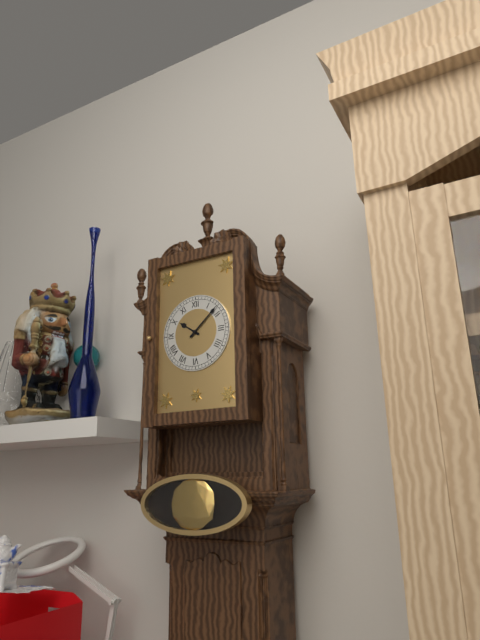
10:08
